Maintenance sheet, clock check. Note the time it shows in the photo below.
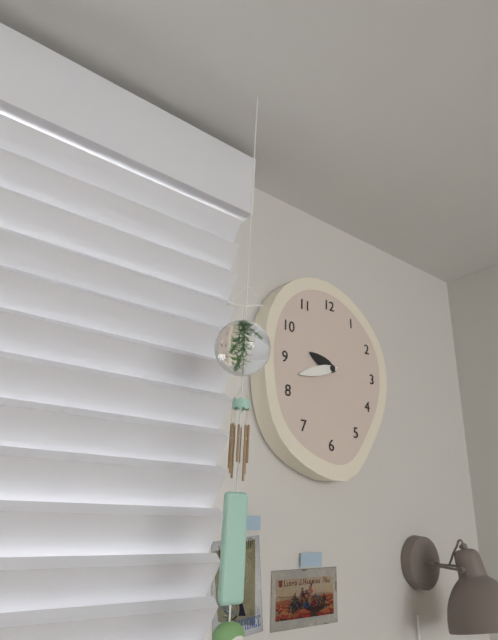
9:42
